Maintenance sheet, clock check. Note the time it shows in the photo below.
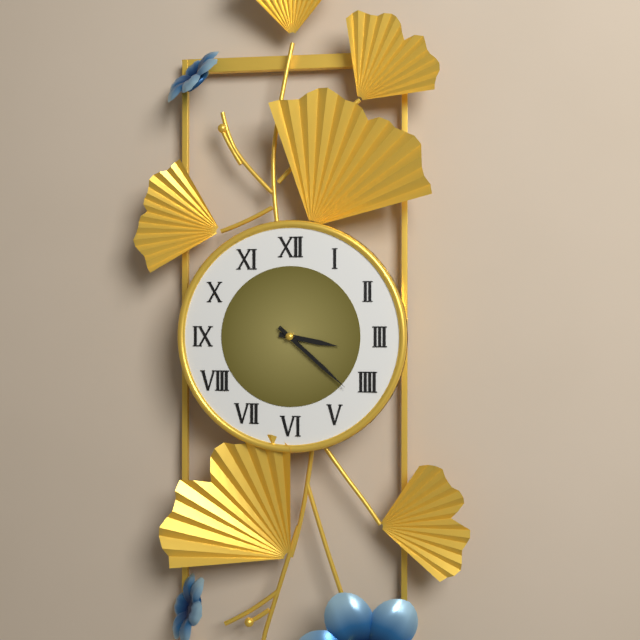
3:22
